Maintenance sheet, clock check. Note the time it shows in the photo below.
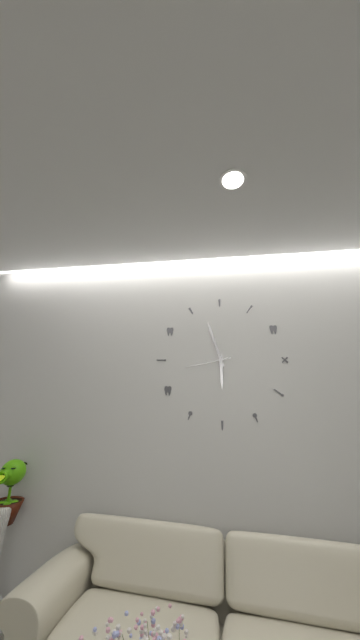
5:57
